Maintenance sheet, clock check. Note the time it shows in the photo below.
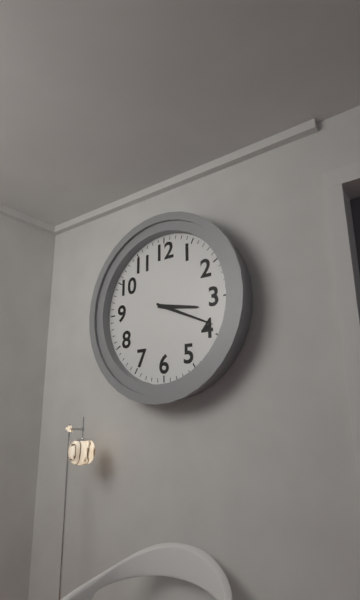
3:19
